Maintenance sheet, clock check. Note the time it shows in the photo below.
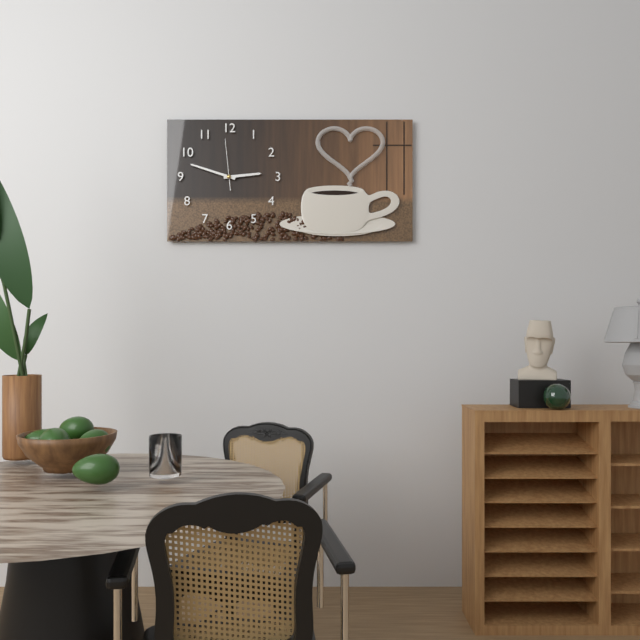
2:48
